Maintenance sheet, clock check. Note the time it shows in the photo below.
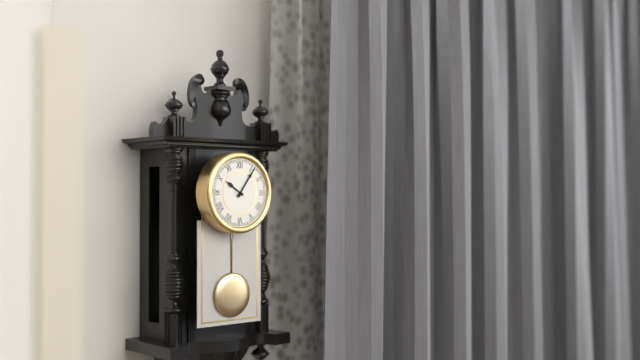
10:06
